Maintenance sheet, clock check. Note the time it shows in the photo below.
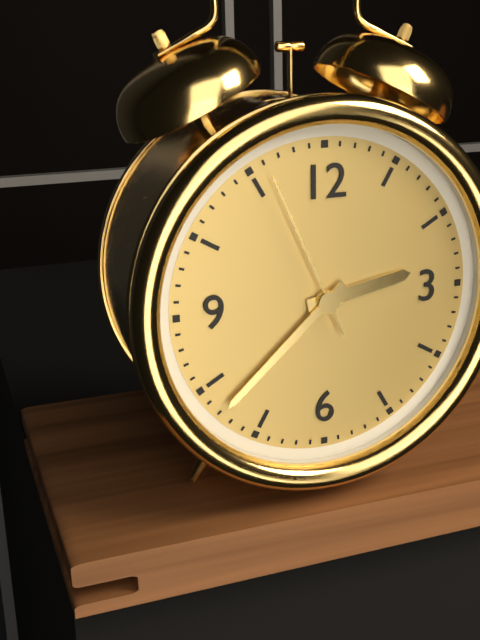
2:38:56
